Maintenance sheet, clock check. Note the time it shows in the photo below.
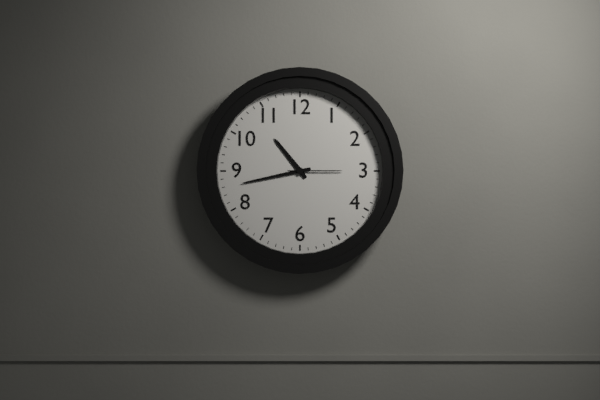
10:43:15
